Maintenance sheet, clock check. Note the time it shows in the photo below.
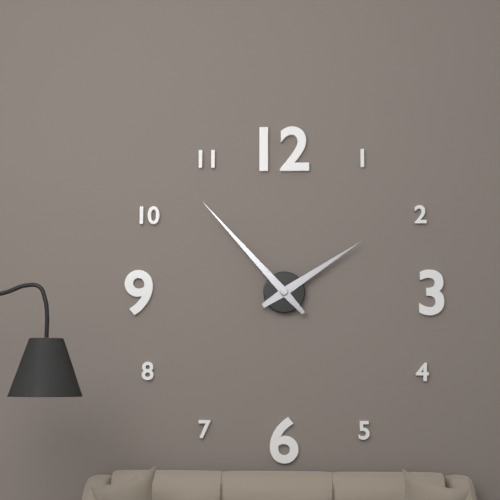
1:53
